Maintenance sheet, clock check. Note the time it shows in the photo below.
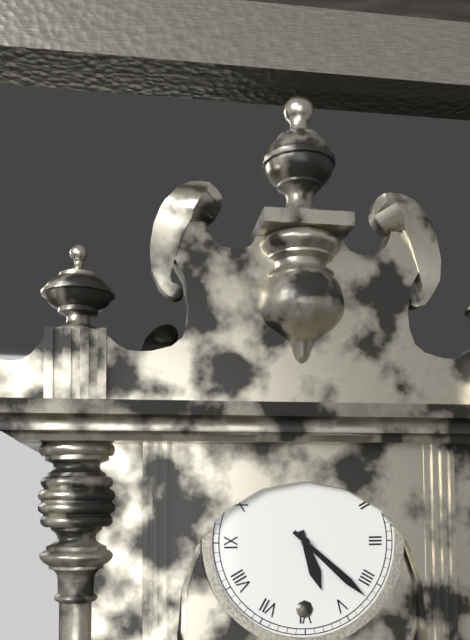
5:22
